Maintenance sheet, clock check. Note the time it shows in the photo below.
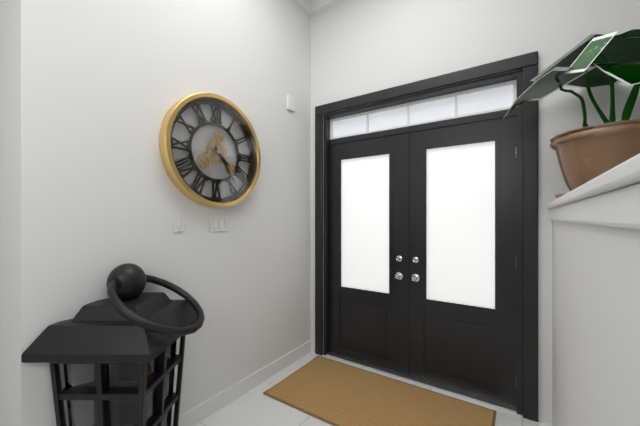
4:24
